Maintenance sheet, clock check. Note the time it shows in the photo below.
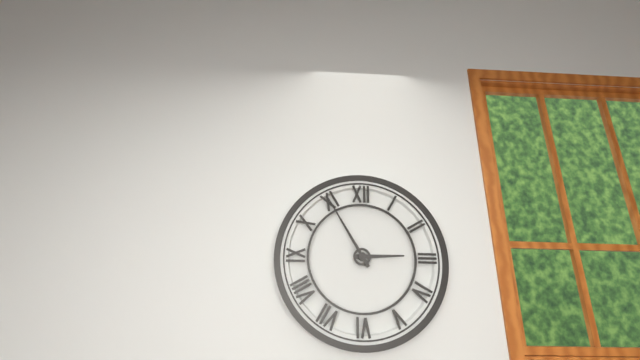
2:55
